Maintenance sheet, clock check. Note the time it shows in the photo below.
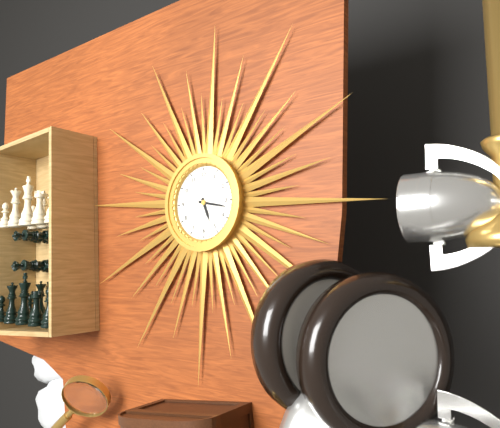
5:17
